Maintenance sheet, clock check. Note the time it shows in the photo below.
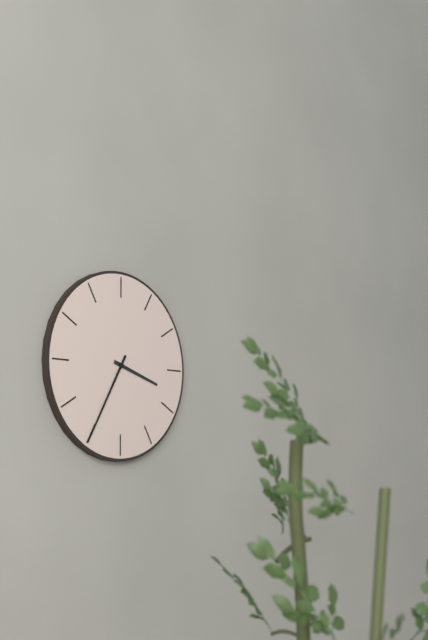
3:35
